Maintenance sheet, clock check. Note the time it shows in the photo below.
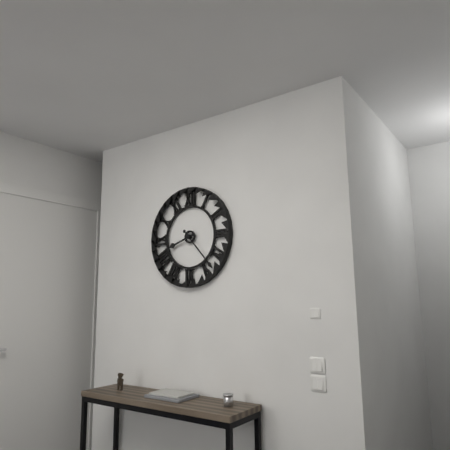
8:23
